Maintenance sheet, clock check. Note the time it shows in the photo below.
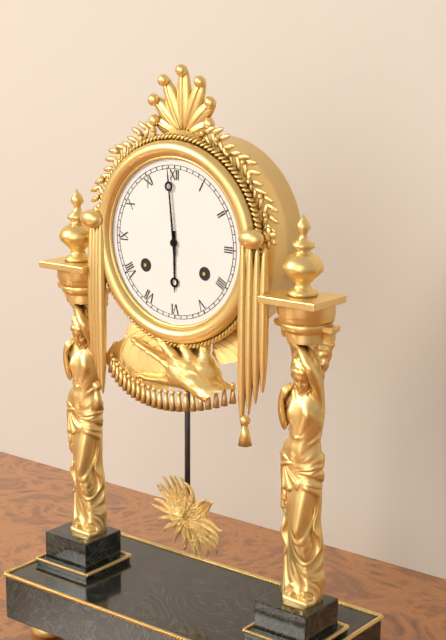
5:59
